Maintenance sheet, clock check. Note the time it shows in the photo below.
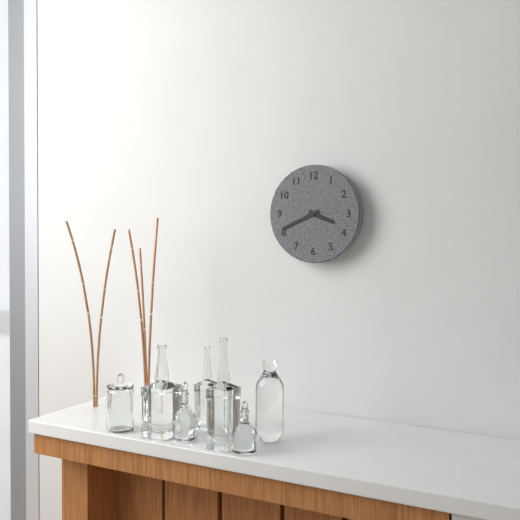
3:41
